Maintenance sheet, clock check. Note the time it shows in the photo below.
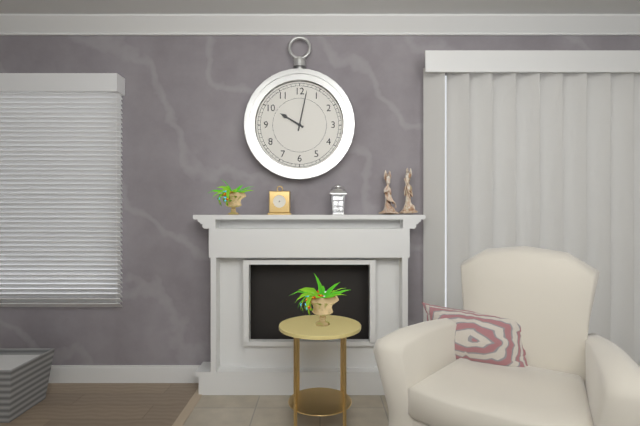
10:02
